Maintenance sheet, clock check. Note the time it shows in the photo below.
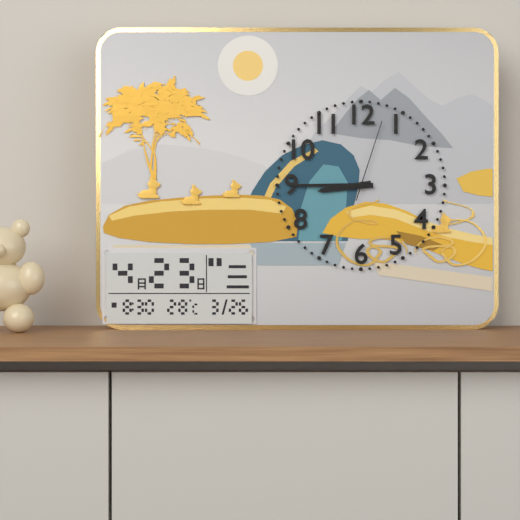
8:45:03
